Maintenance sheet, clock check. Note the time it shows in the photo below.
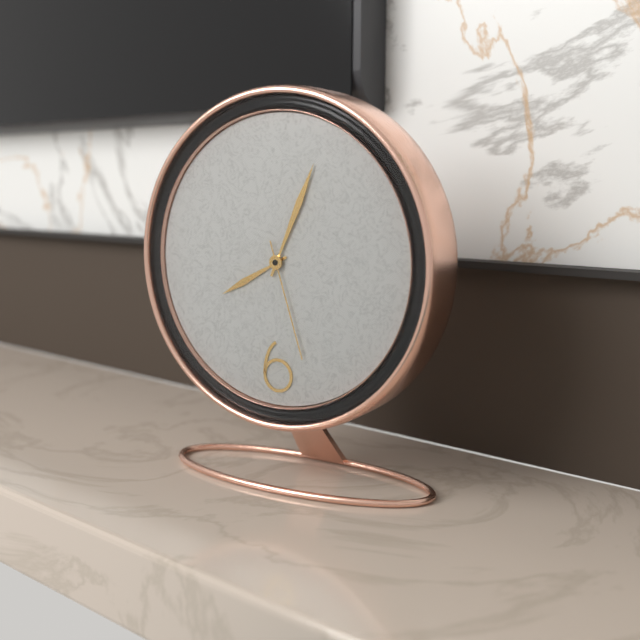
8:04:27
